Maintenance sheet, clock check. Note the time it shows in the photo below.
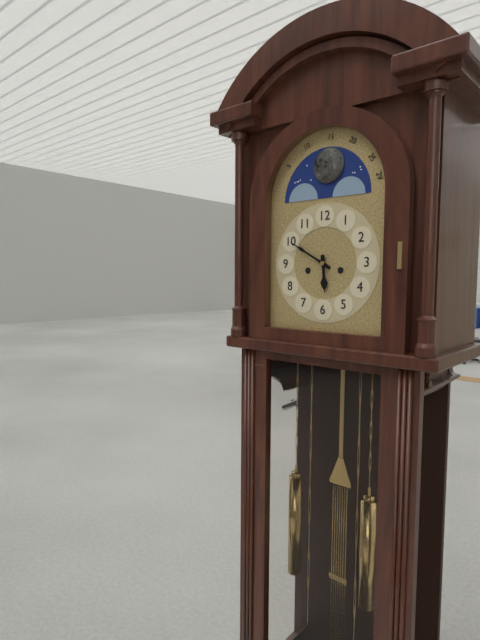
5:50
